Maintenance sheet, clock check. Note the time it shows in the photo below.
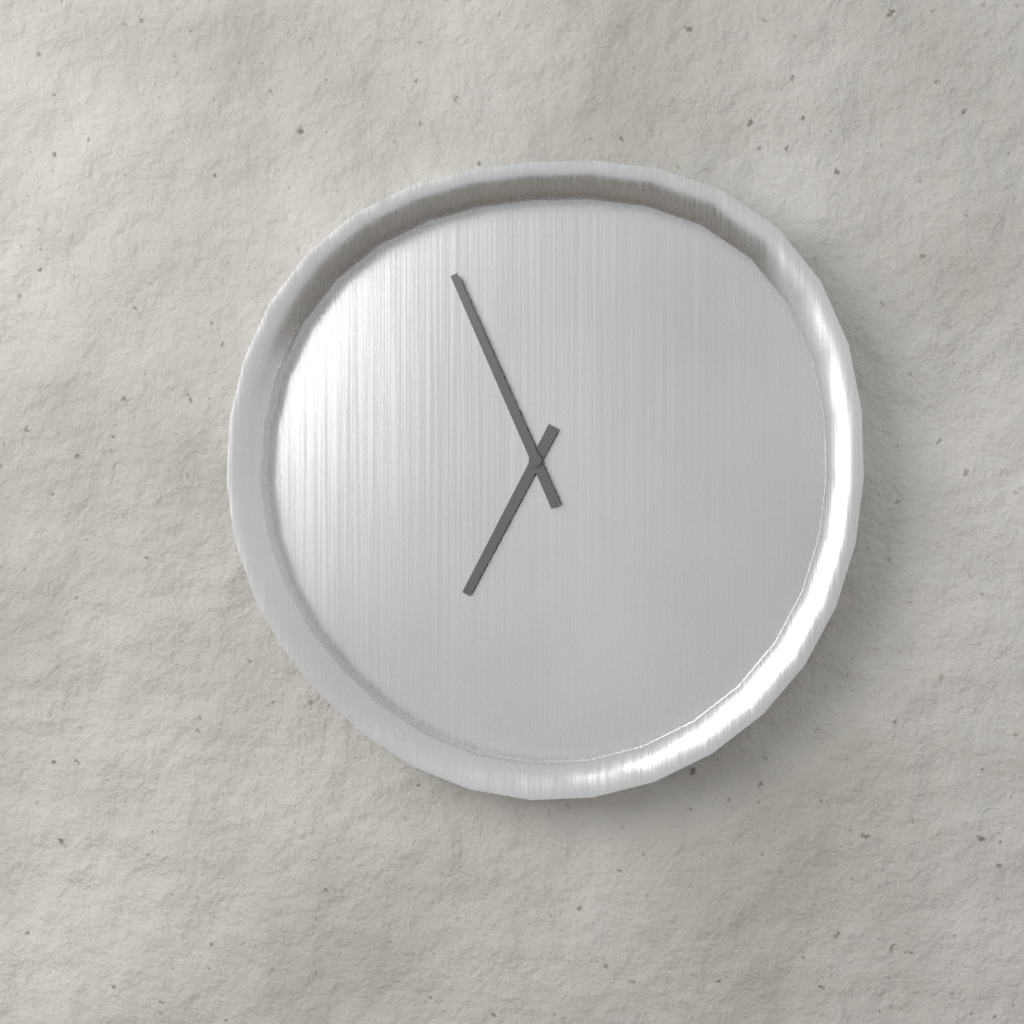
6:56
